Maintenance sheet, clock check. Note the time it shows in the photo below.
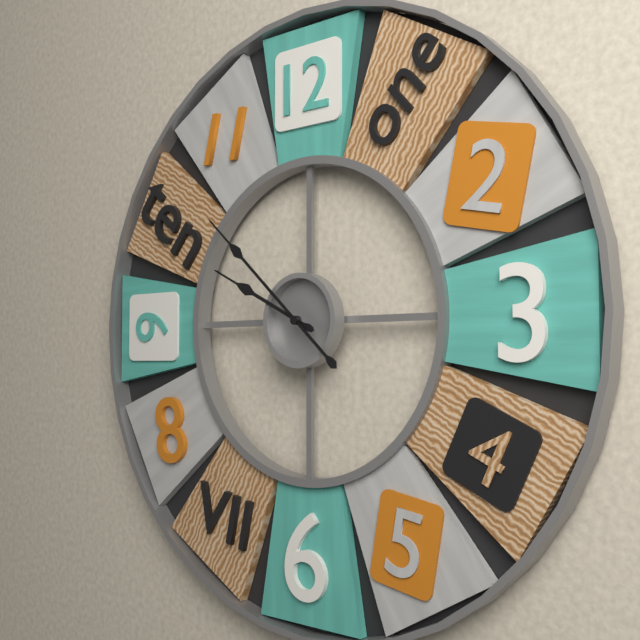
9:52
